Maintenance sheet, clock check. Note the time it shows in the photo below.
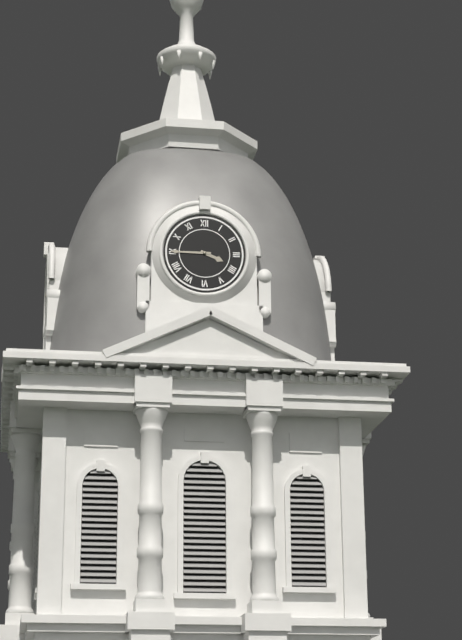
3:45
